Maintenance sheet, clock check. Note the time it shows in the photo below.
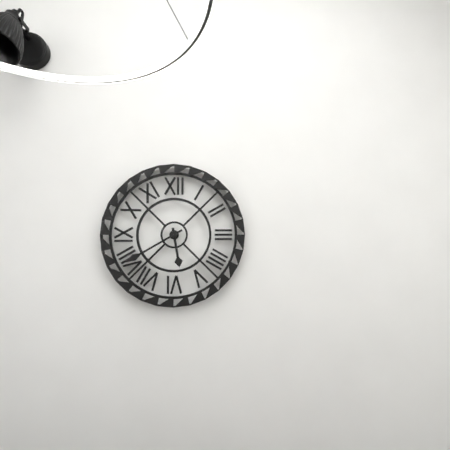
5:40
